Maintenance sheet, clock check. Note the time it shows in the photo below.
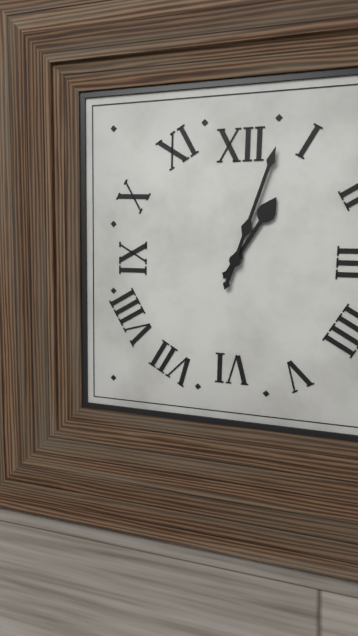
1:03
